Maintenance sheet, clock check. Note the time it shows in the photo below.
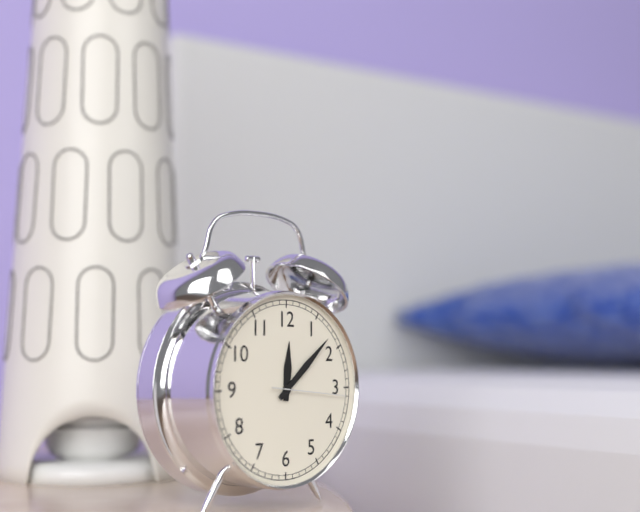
12:08:16
